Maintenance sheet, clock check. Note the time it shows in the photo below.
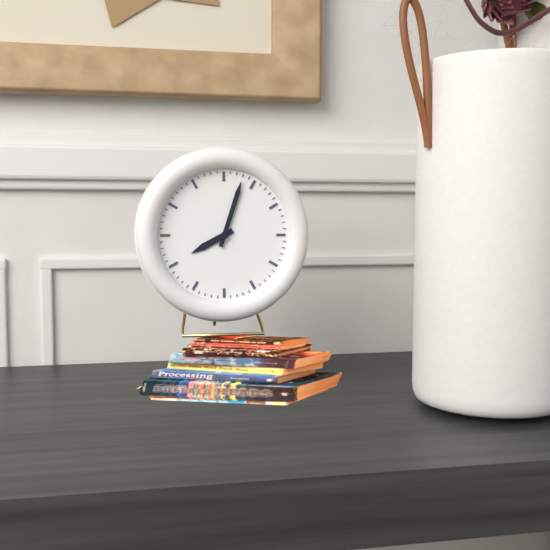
8:03
